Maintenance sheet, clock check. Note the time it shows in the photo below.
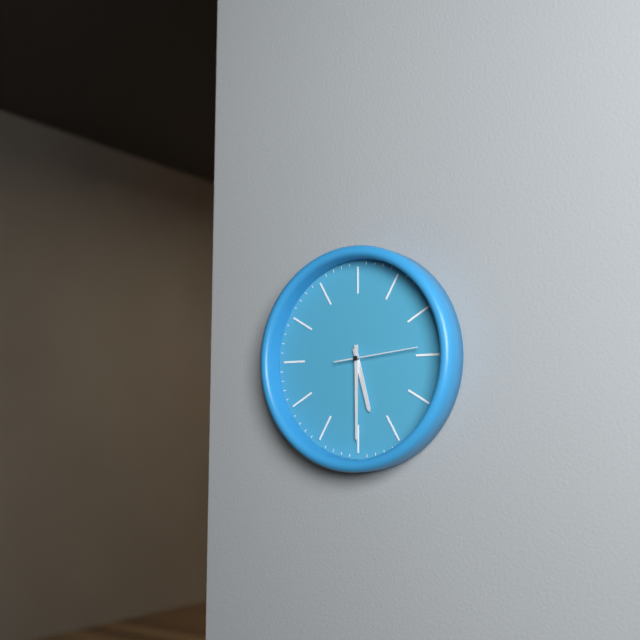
5:30:14
